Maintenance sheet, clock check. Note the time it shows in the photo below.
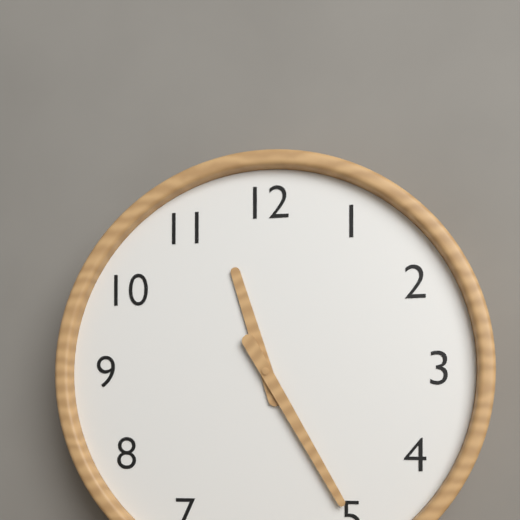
11:25
